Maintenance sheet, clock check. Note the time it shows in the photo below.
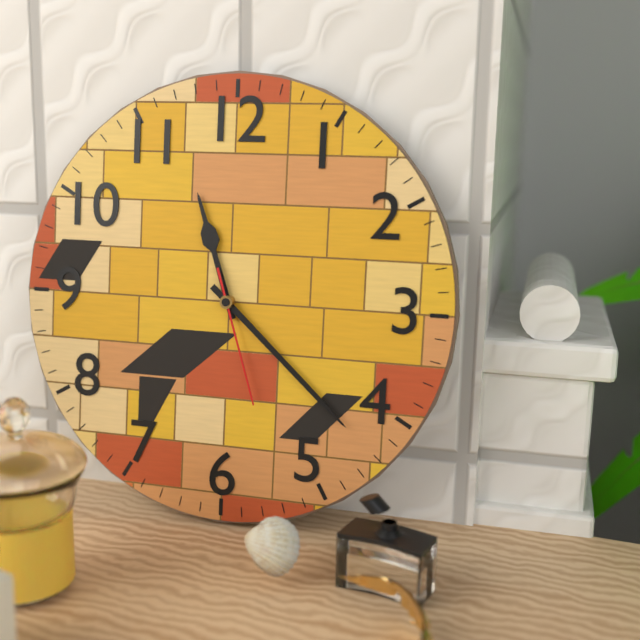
11:22:27
